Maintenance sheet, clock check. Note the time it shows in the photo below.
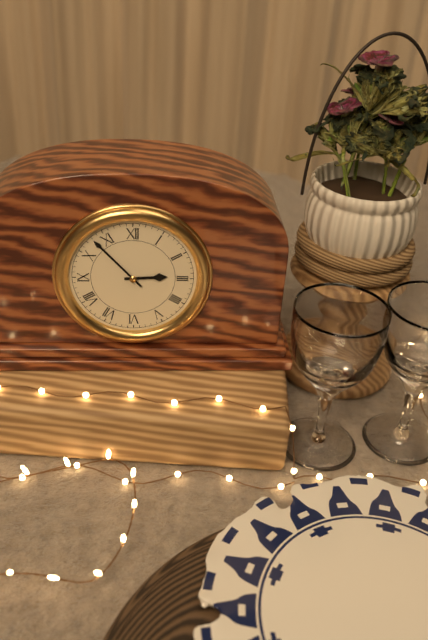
2:53
